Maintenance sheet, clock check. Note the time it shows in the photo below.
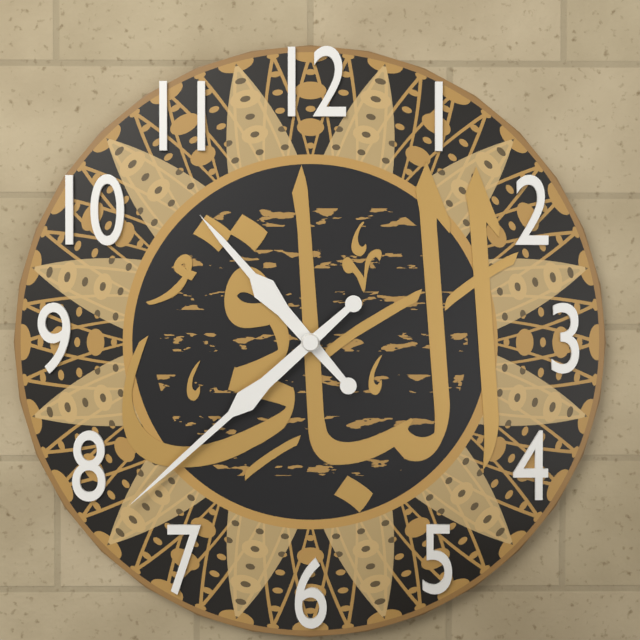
10:38
